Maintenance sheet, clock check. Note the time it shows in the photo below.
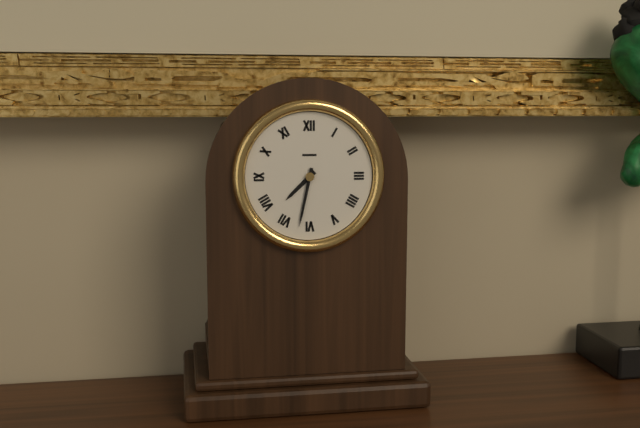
7:32
